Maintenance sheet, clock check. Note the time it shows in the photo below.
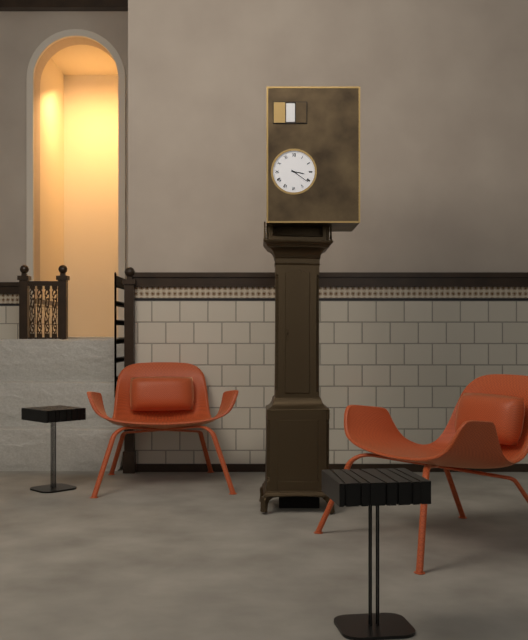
3:21
